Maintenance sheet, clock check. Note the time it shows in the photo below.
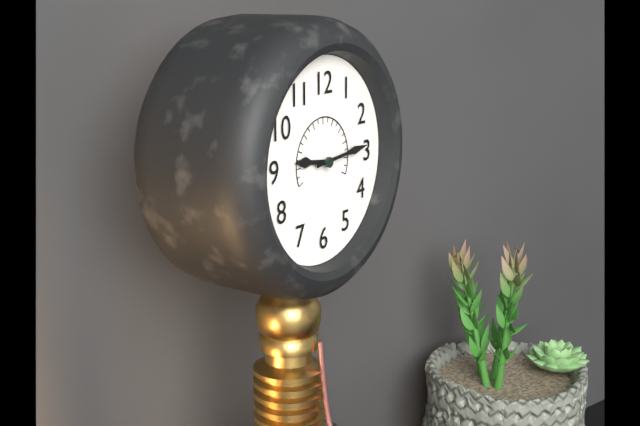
9:14
